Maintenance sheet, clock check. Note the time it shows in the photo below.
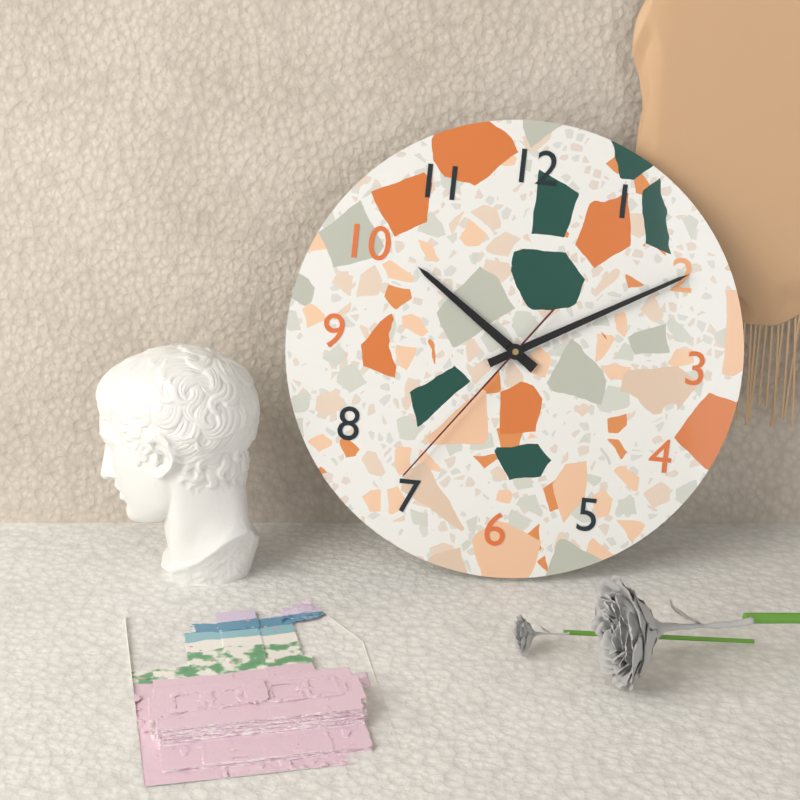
10:10:36
